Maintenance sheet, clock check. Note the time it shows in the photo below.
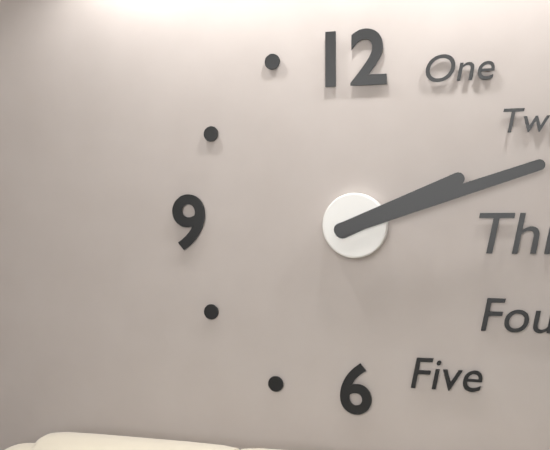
2:12
